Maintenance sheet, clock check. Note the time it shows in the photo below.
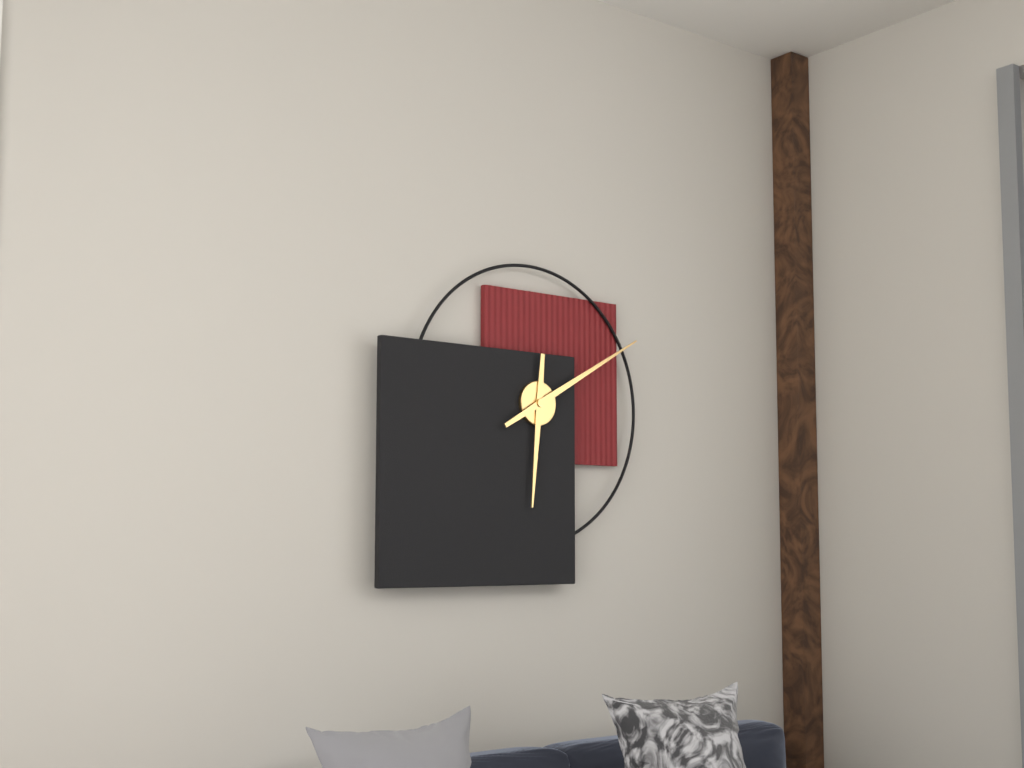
6:10
